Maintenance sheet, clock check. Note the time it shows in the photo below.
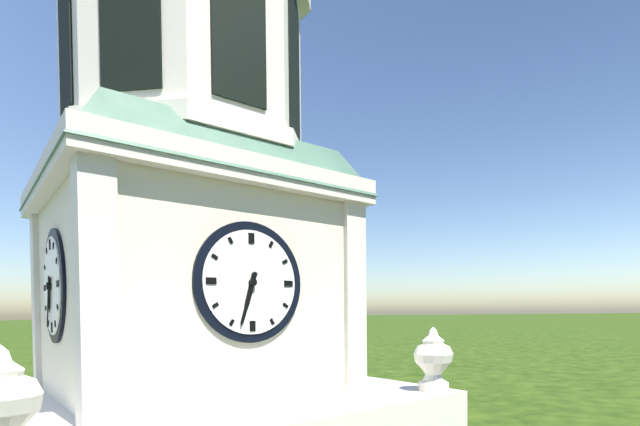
6:33
